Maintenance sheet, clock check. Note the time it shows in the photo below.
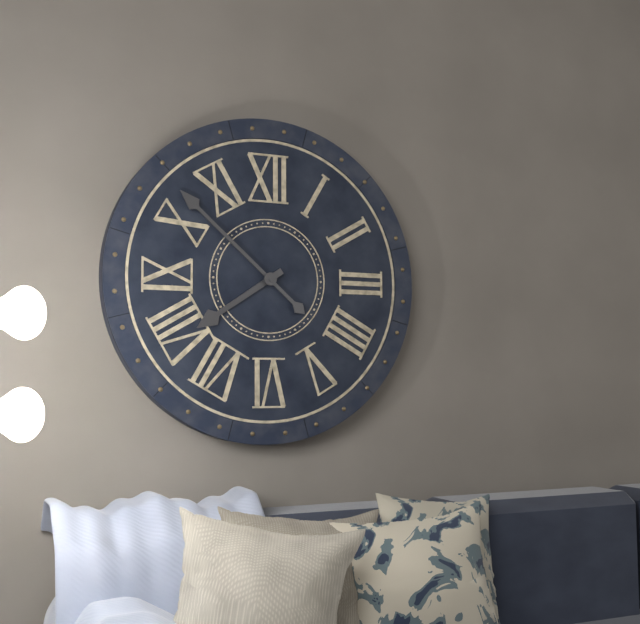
7:52
